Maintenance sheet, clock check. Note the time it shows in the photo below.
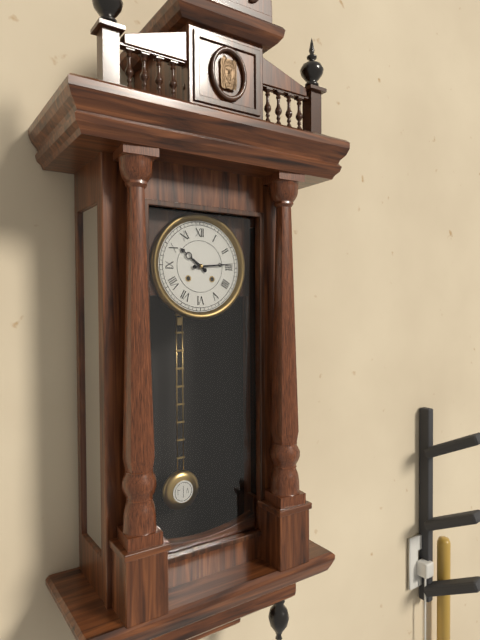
10:14
